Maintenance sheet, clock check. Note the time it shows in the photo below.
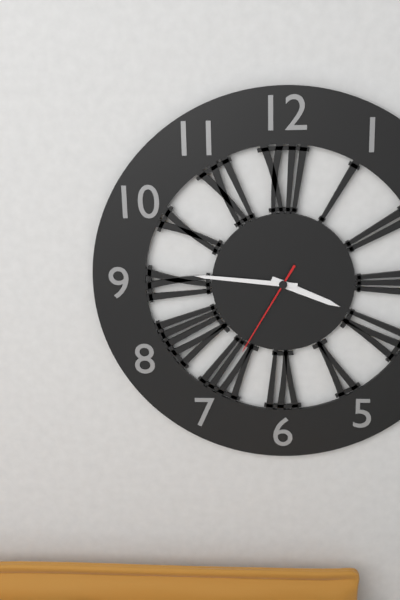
3:46:35
